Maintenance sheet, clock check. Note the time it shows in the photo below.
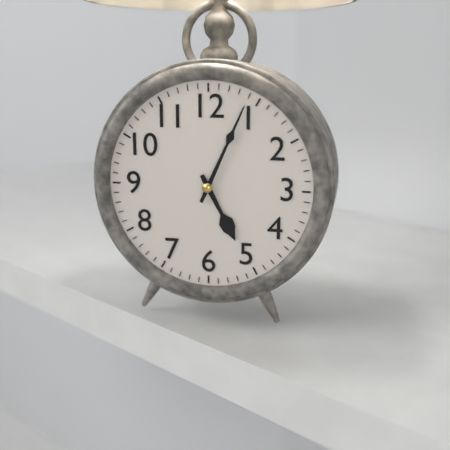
5:04
